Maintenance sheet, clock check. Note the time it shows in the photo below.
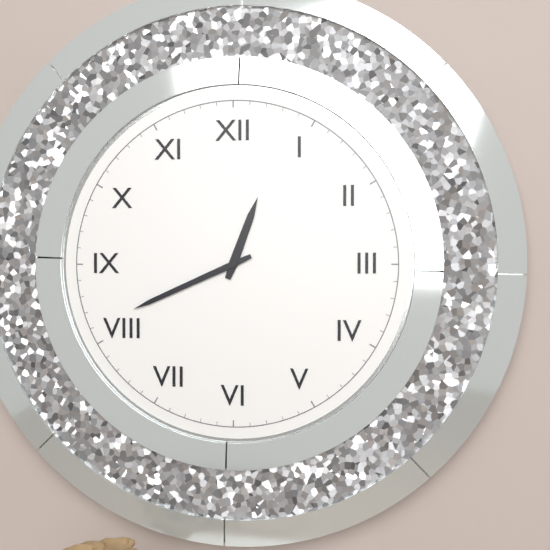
12:41
